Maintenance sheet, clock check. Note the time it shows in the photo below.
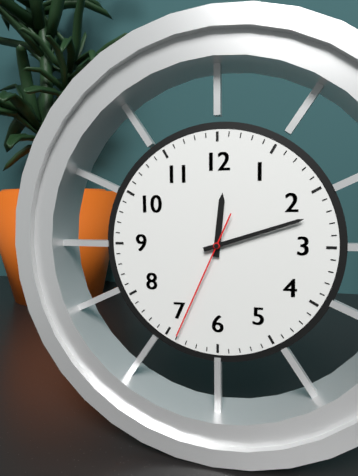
12:12:34
